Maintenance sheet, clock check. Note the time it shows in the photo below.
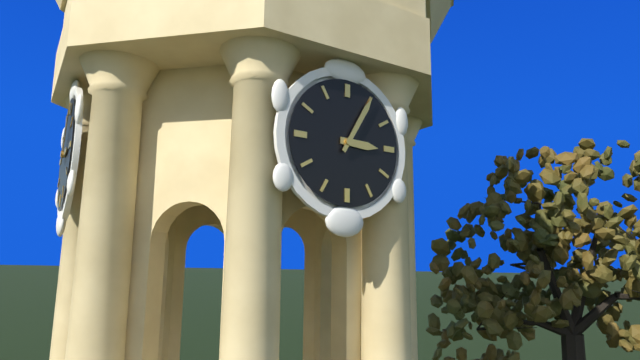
3:05
